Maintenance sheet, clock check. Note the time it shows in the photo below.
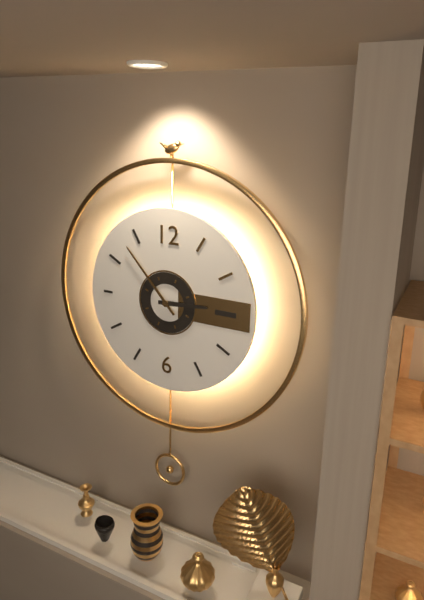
2:53
